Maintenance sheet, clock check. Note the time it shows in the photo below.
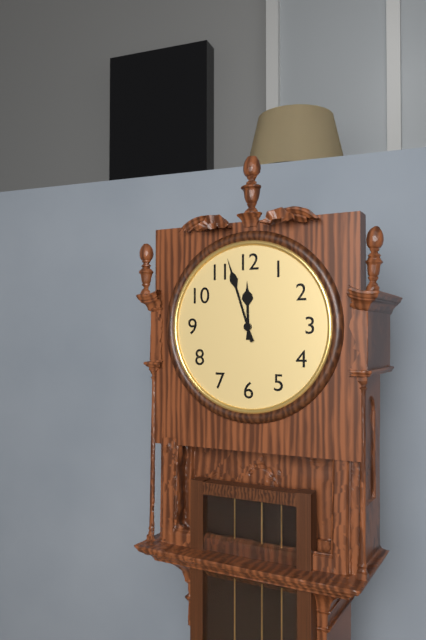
11:57
